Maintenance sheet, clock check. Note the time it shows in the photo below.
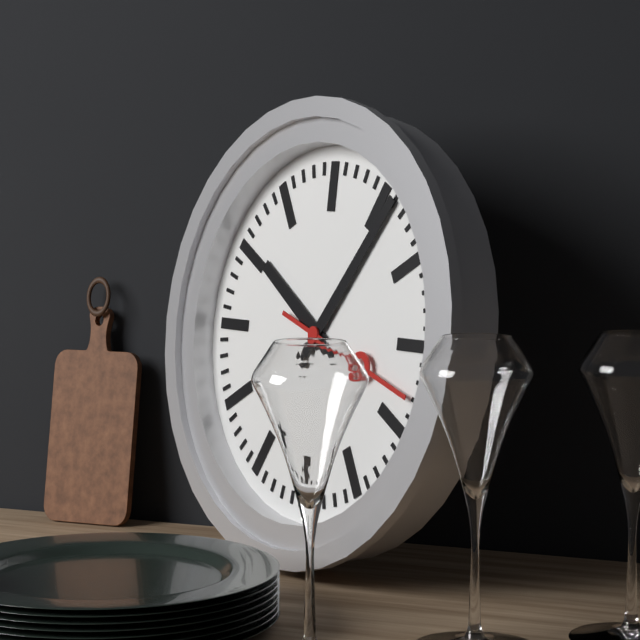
10:06:18
